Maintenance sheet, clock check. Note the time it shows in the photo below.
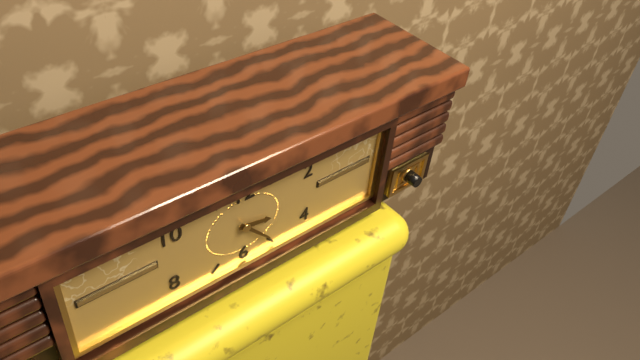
3:23
